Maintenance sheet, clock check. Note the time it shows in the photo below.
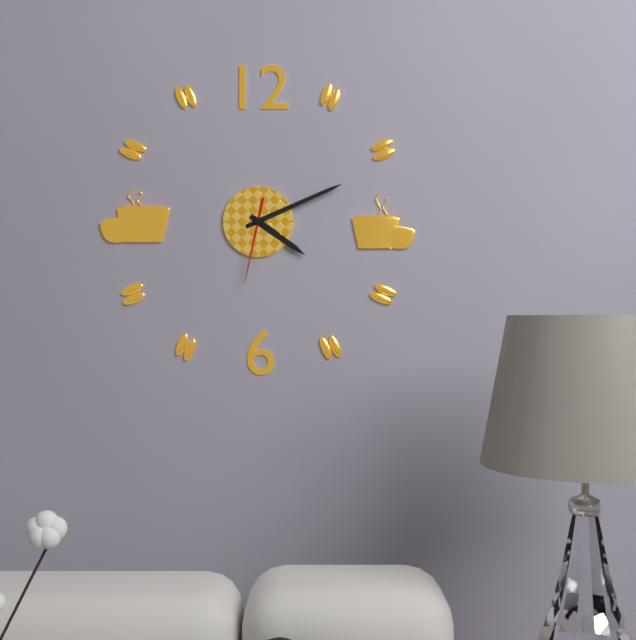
4:11:32
